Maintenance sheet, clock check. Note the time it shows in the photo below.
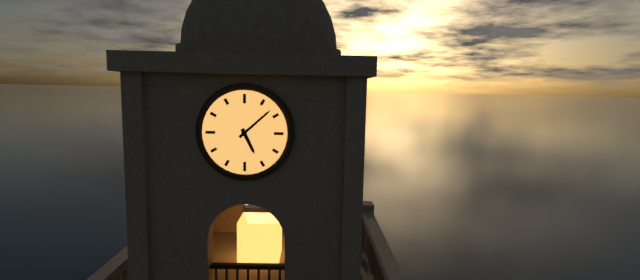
5:08
